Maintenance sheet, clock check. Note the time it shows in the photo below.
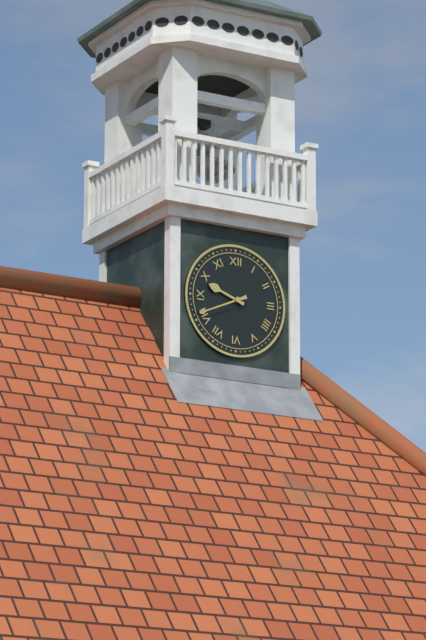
9:41
